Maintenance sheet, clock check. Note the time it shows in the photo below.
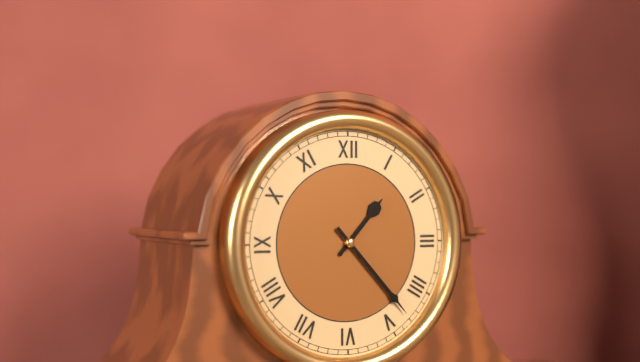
1:23
